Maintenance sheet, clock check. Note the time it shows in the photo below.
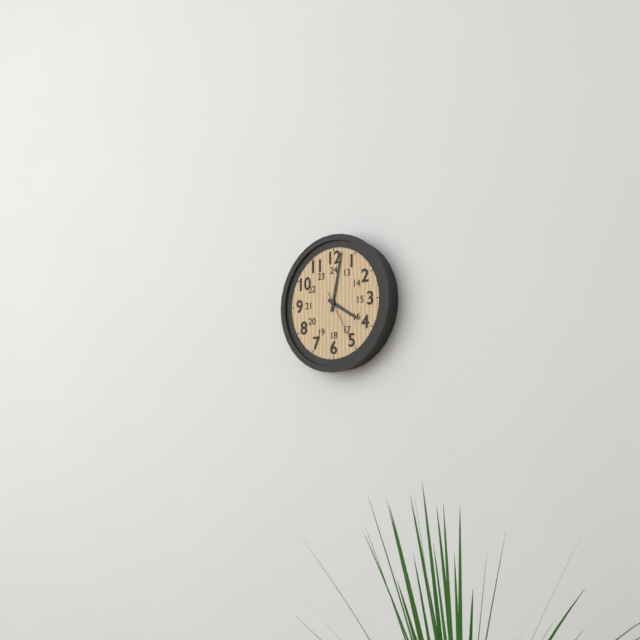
4:02:25
